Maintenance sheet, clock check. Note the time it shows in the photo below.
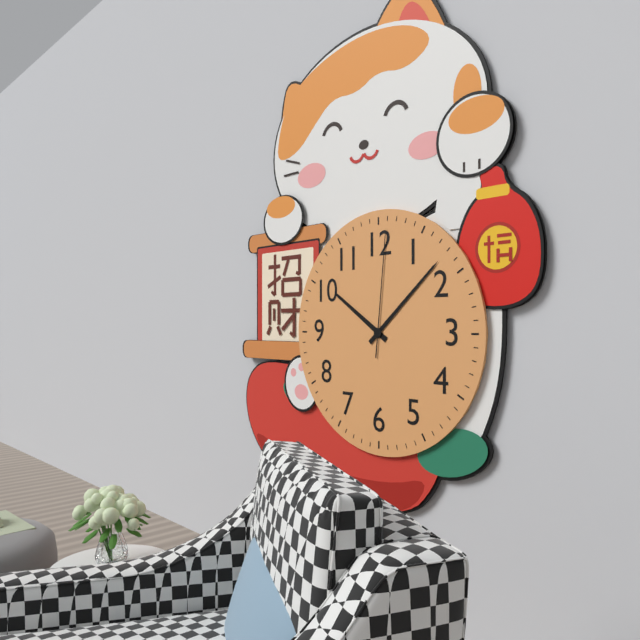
10:08:01
